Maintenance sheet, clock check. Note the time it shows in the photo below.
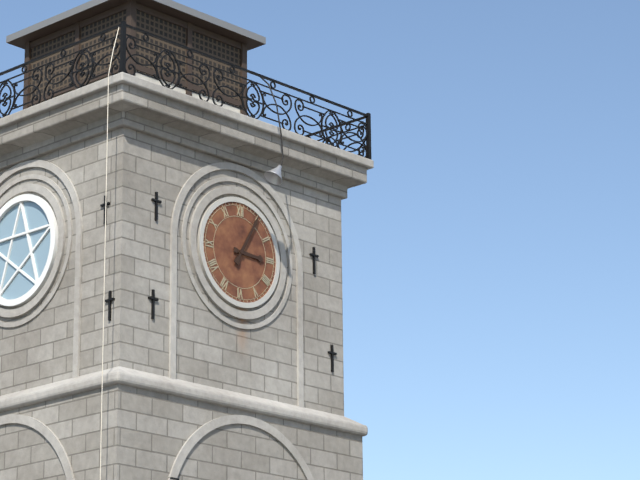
3:05
